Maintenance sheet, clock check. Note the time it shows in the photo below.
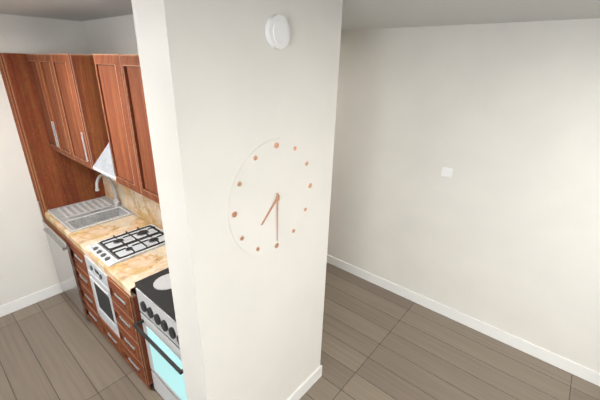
7:30
